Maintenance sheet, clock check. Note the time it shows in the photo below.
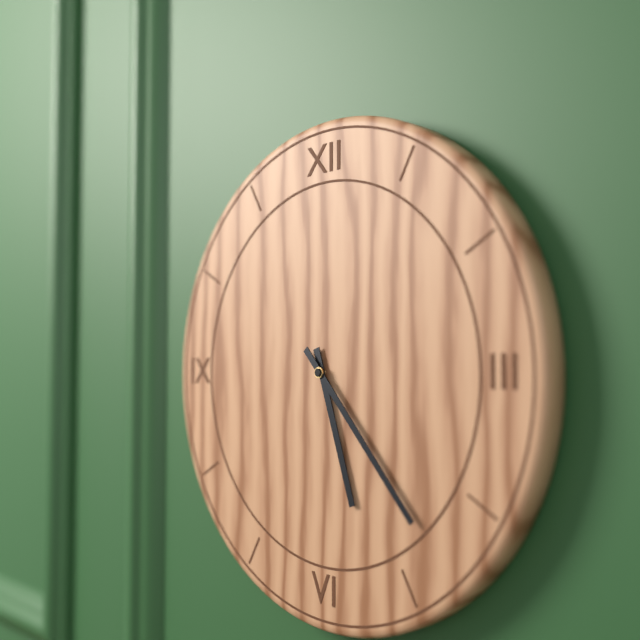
5:23
